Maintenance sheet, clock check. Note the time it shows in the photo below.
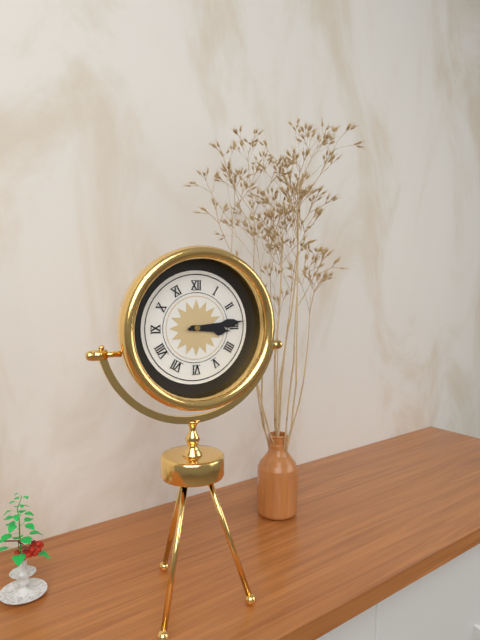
3:14
